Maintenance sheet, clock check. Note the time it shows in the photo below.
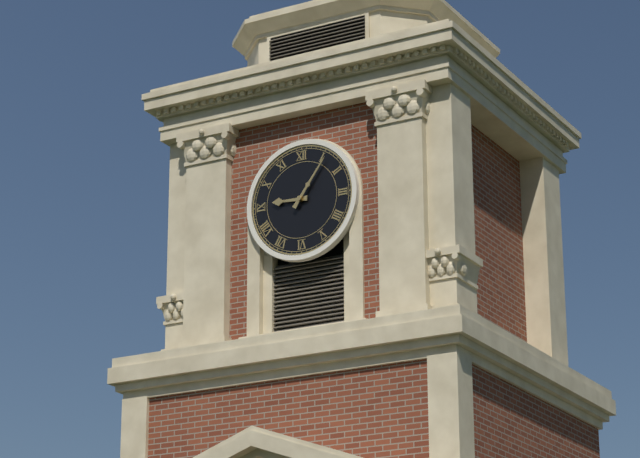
9:06
